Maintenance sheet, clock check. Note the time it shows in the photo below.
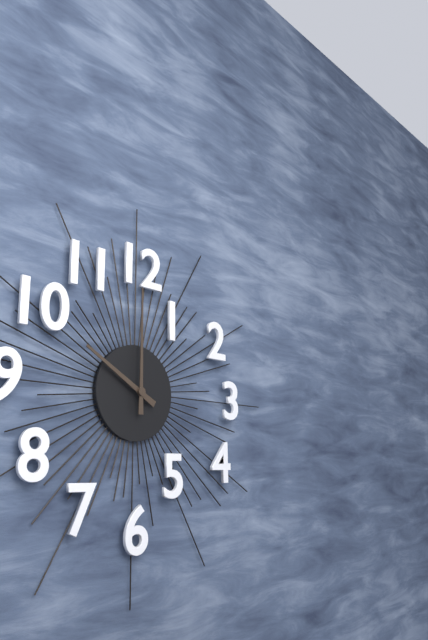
10:00
